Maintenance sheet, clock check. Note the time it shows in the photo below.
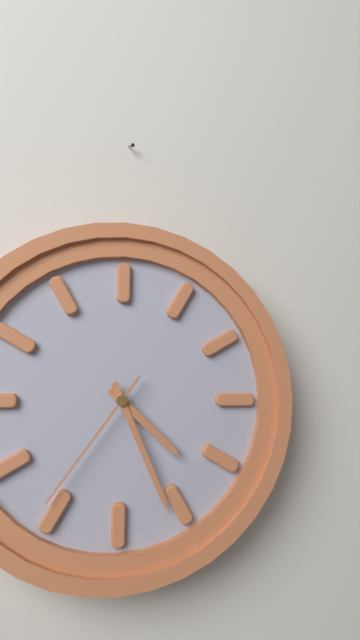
4:26:36
